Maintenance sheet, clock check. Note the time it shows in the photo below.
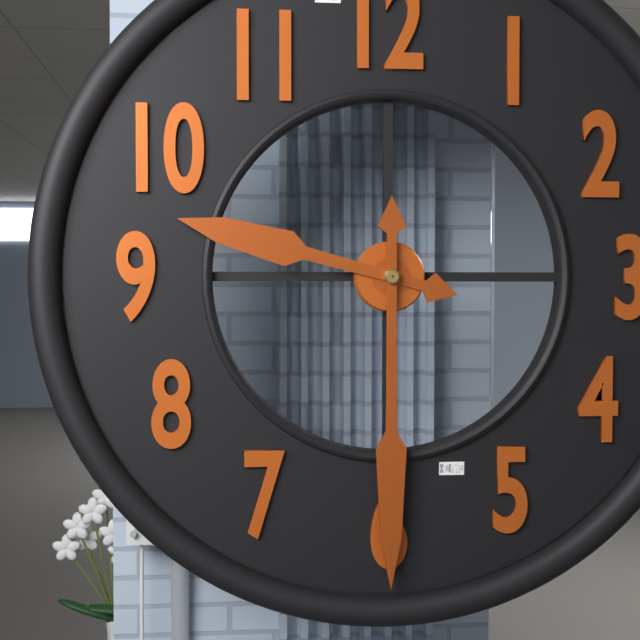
9:30
